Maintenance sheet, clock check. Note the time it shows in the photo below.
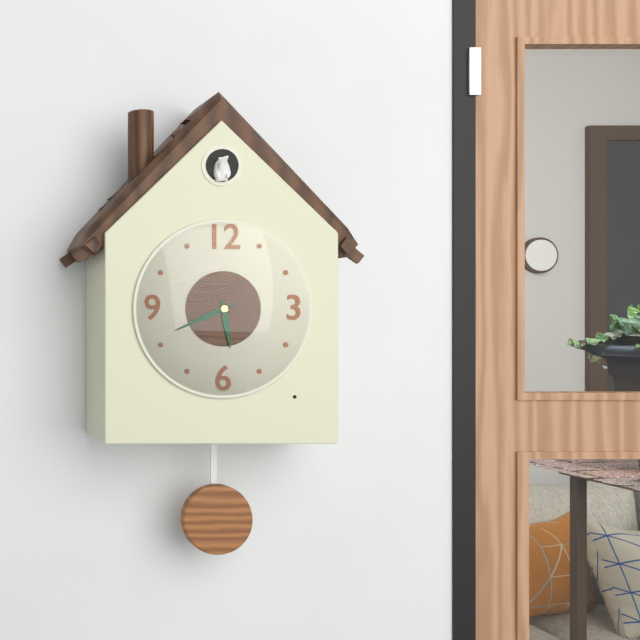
5:41
